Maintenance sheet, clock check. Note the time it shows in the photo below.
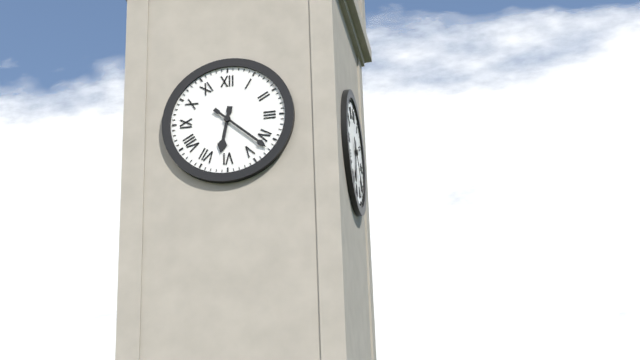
6:22
